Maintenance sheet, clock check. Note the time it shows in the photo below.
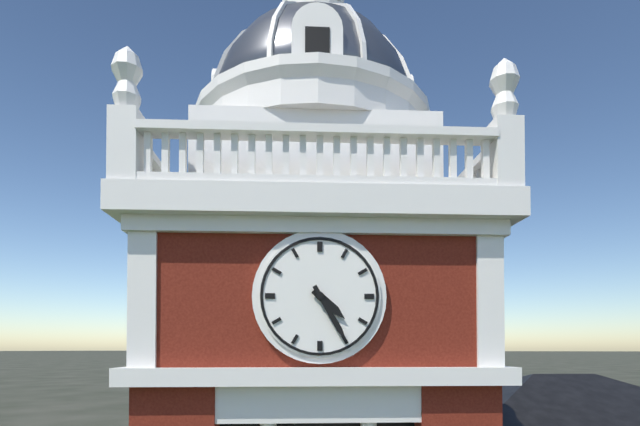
4:25
